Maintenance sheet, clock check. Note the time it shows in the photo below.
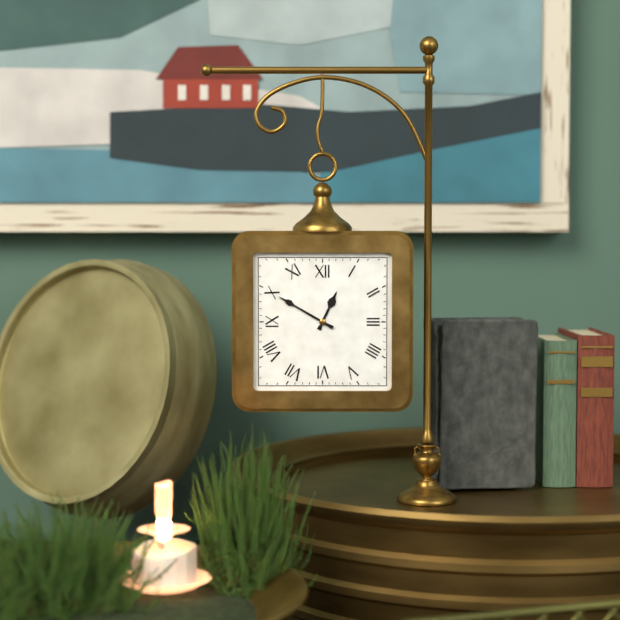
12:50
